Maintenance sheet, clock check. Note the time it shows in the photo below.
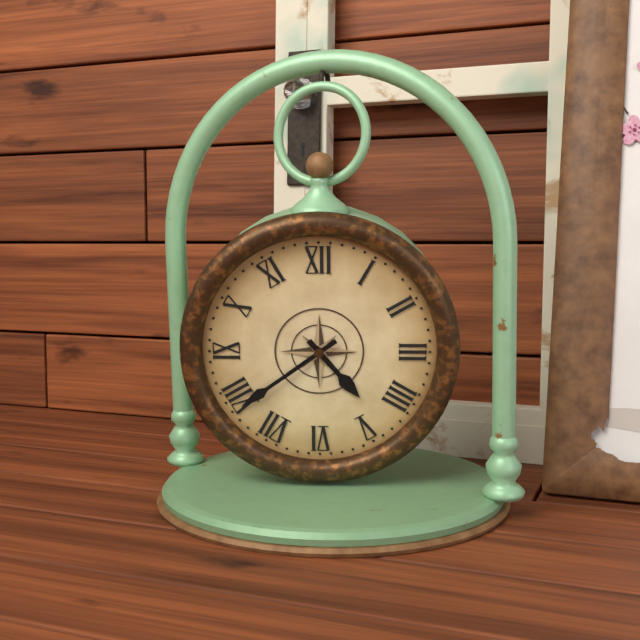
4:39
